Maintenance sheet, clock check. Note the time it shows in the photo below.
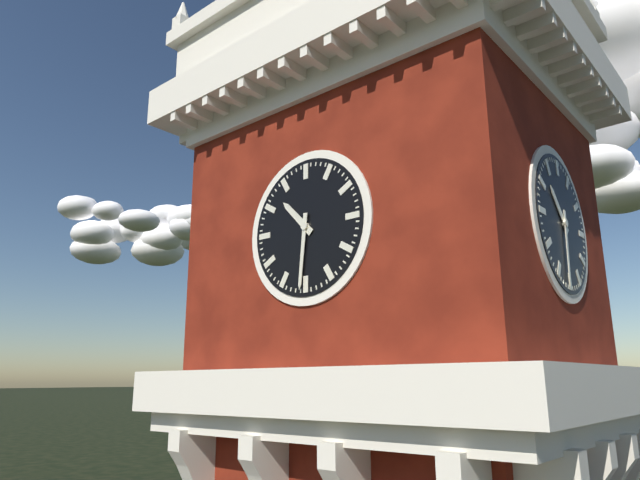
10:31
